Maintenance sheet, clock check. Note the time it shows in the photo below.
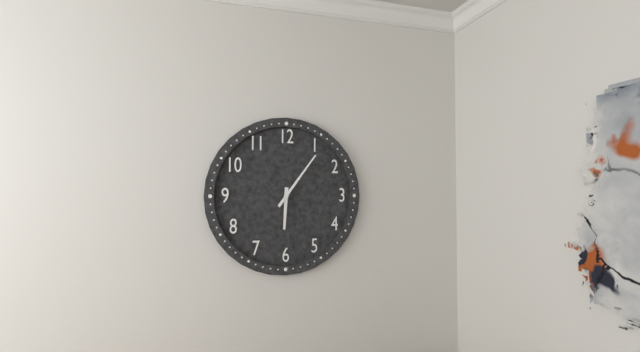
6:06
